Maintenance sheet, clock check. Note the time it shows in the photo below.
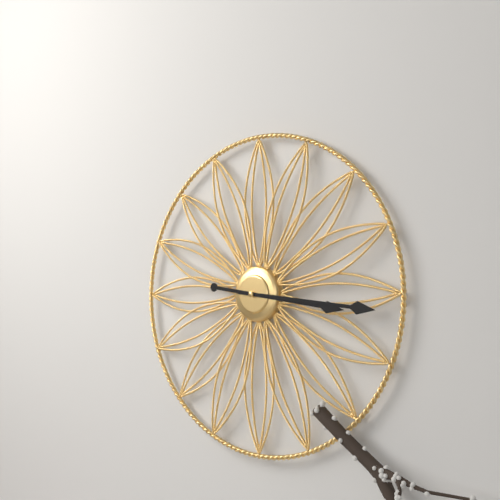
3:16
